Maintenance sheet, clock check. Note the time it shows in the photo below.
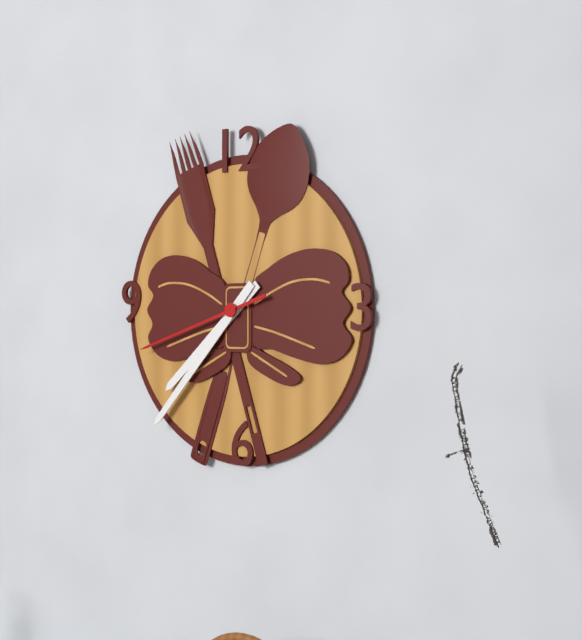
7:37:42
